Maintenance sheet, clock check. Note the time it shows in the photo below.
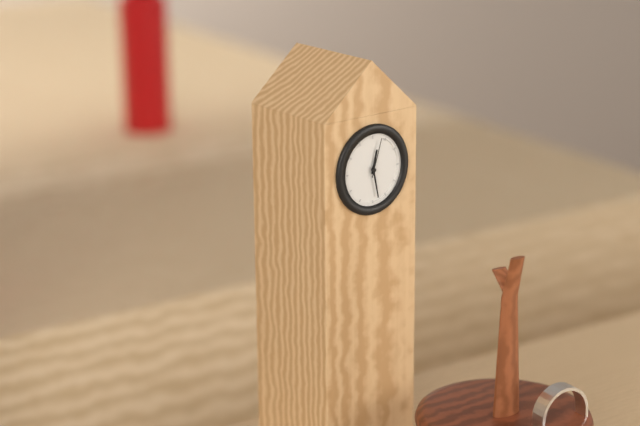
12:28
